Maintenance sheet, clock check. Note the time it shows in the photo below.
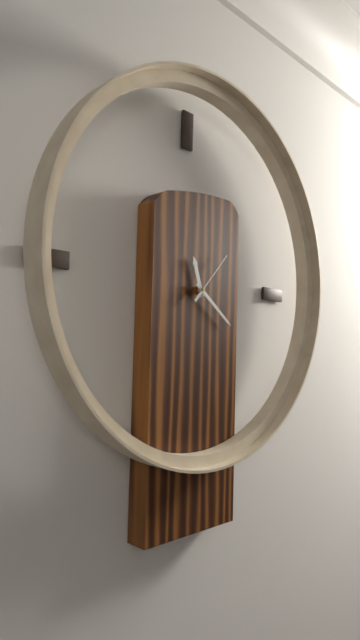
11:21:07
